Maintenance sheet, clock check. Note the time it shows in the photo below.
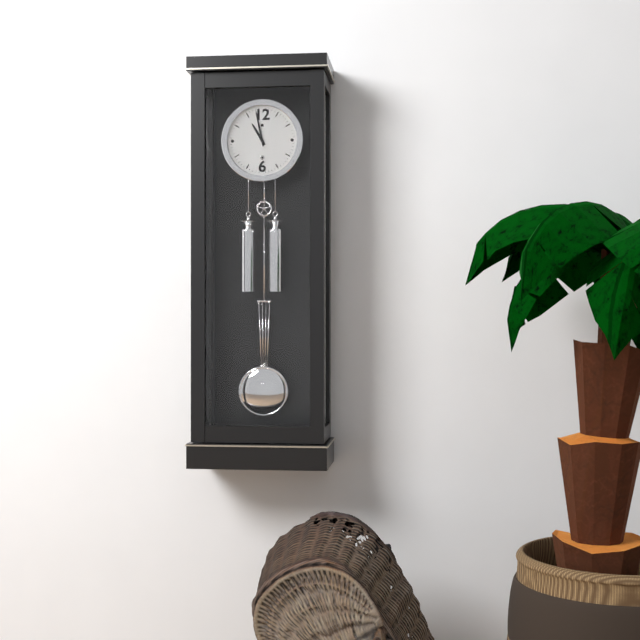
10:58
